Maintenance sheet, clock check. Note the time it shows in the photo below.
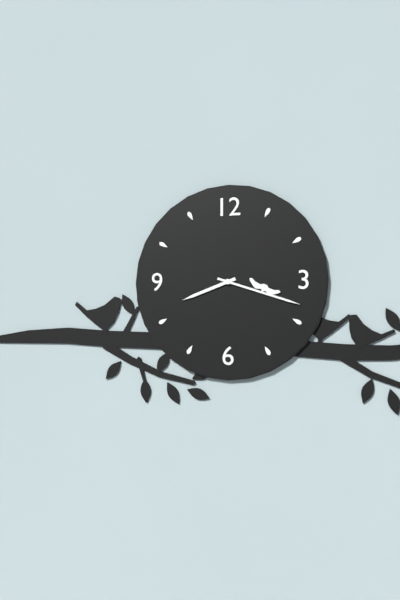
8:18
